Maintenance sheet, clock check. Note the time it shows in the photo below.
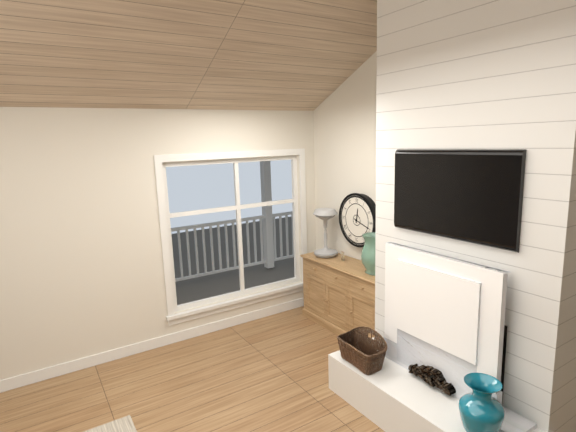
12:18
